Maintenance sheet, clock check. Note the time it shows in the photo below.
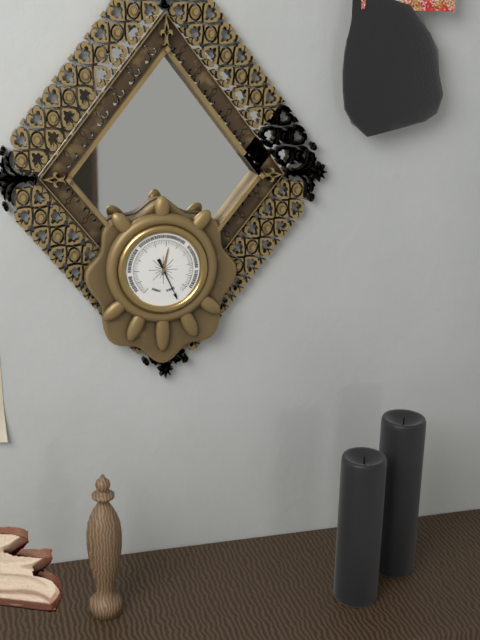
12:26
